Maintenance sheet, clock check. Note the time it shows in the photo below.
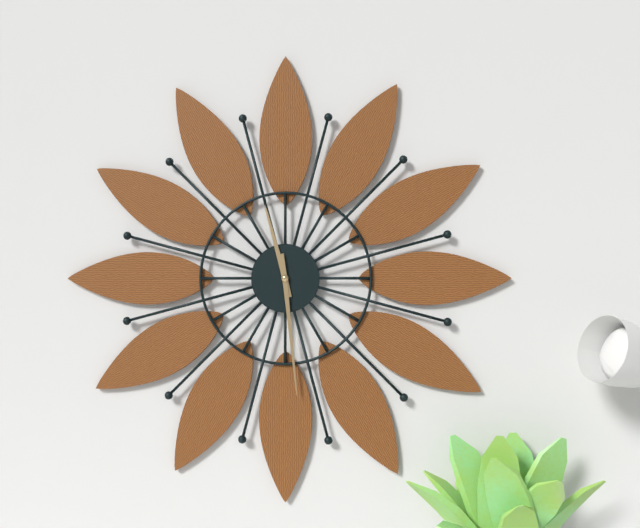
11:29
